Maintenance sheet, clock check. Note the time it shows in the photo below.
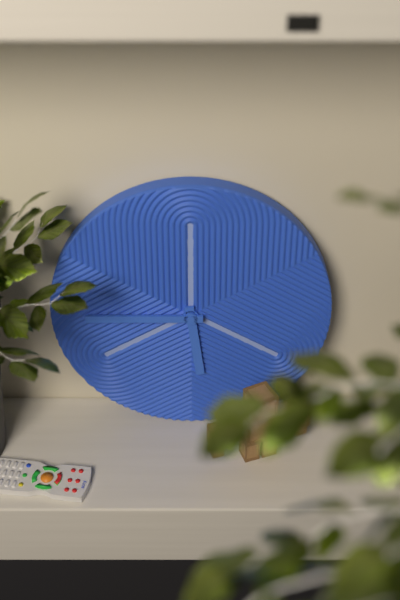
5:45
